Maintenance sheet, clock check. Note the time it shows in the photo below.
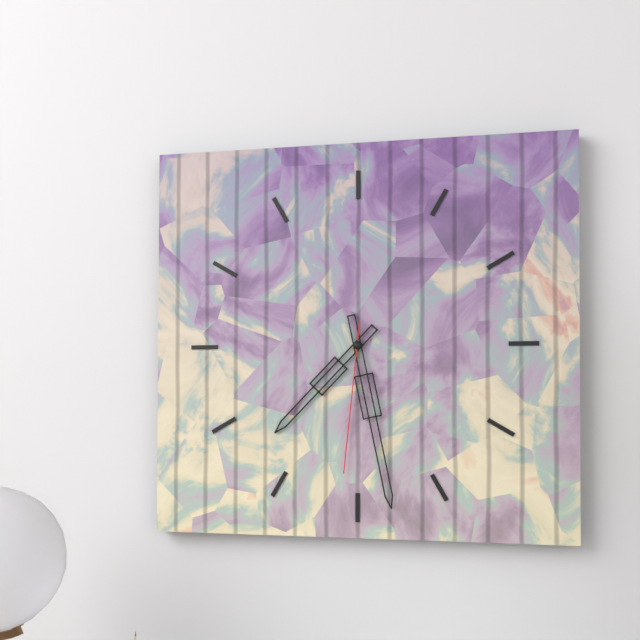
7:28:31
